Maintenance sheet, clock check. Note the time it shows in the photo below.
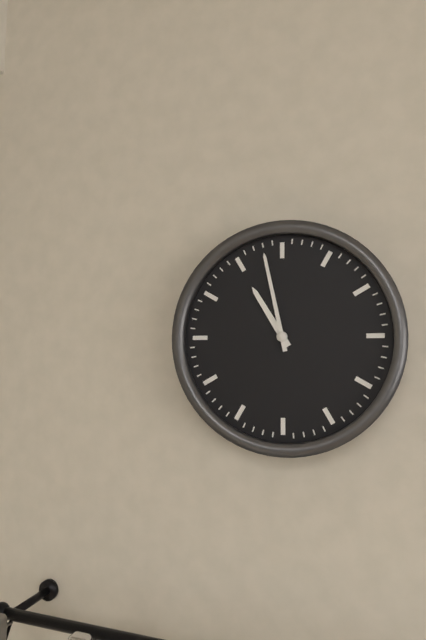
10:58
